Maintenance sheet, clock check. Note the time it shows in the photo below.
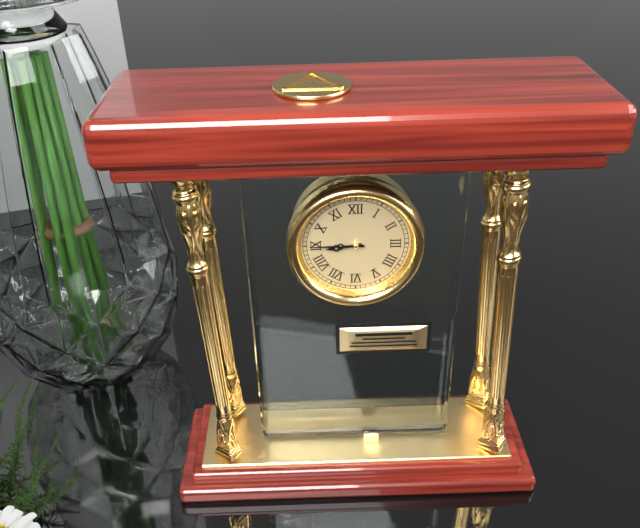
8:45
